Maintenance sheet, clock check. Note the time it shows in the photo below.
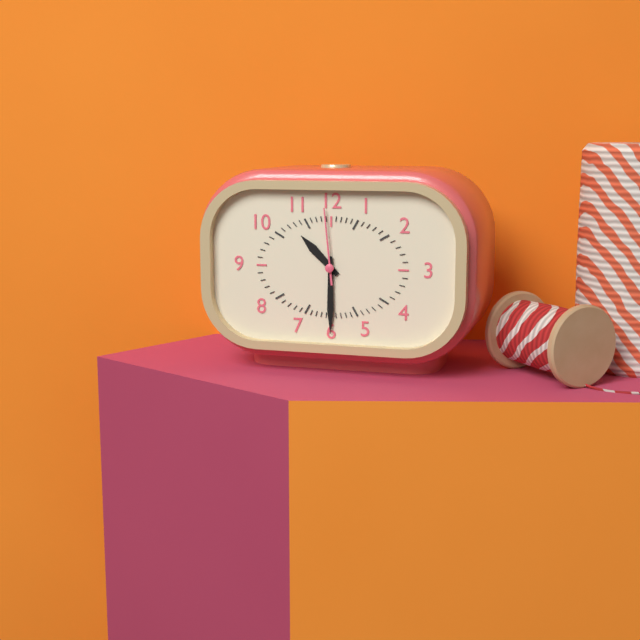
10:30:59
